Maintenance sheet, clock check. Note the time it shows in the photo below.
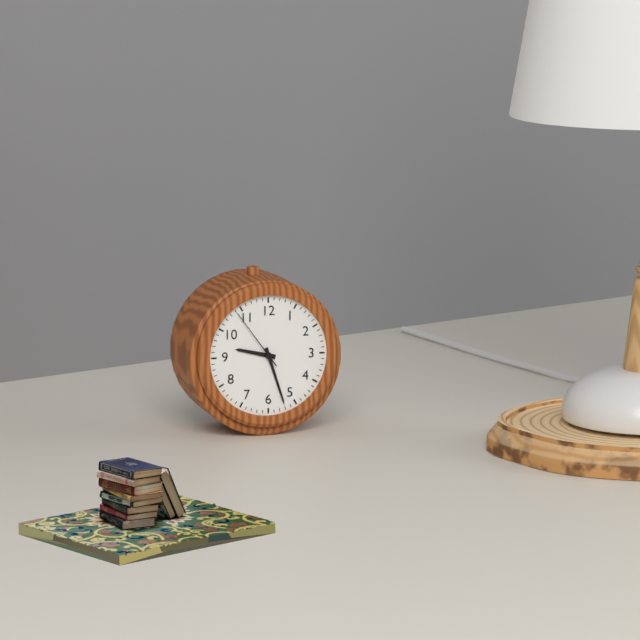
9:27:54
